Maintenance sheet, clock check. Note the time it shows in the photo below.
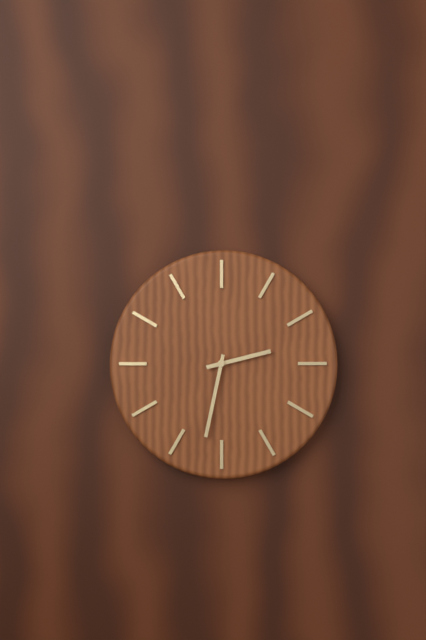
2:32
